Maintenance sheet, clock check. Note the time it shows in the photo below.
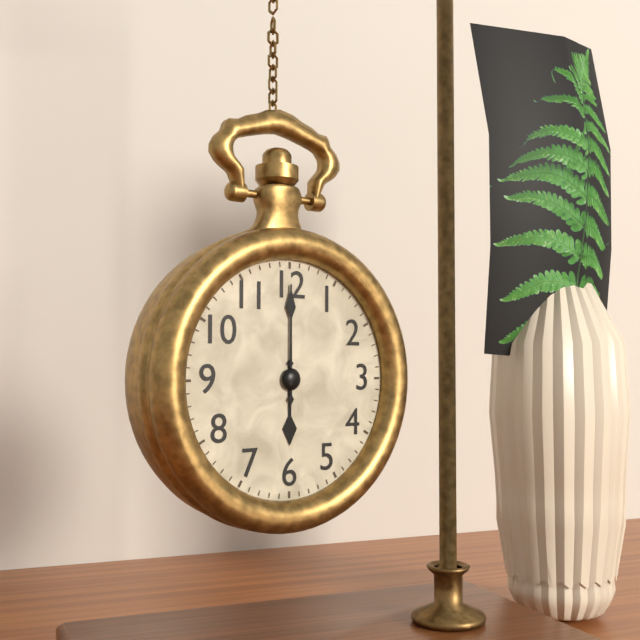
6:00
